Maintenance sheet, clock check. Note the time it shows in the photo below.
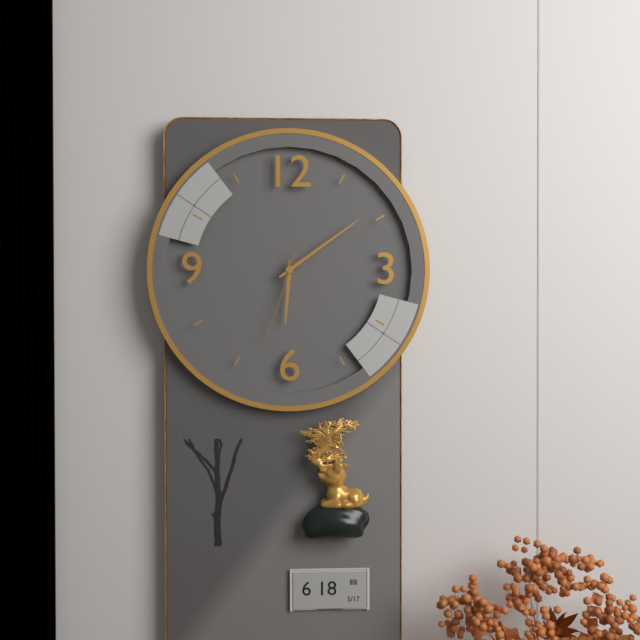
6:09:33
